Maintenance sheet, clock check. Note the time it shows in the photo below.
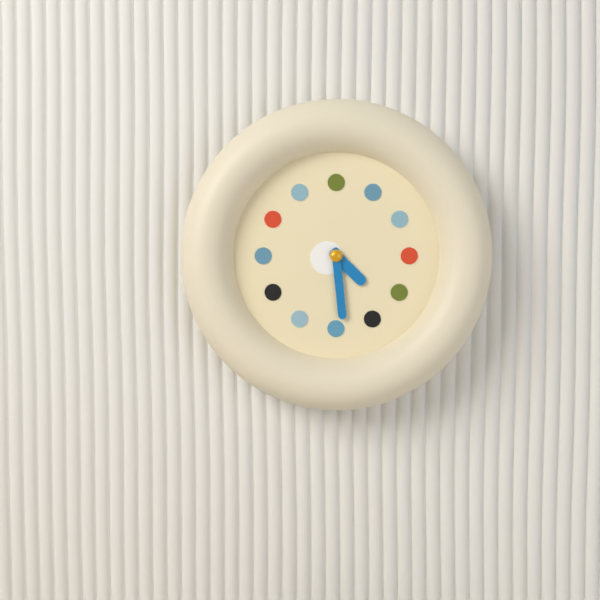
4:29
